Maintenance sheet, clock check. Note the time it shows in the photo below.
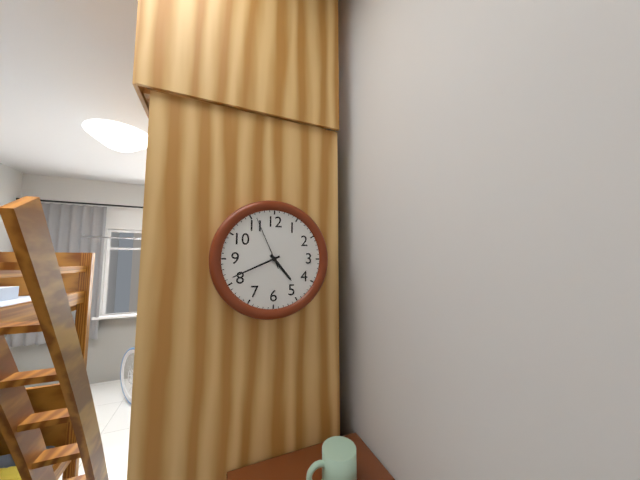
4:41:56
